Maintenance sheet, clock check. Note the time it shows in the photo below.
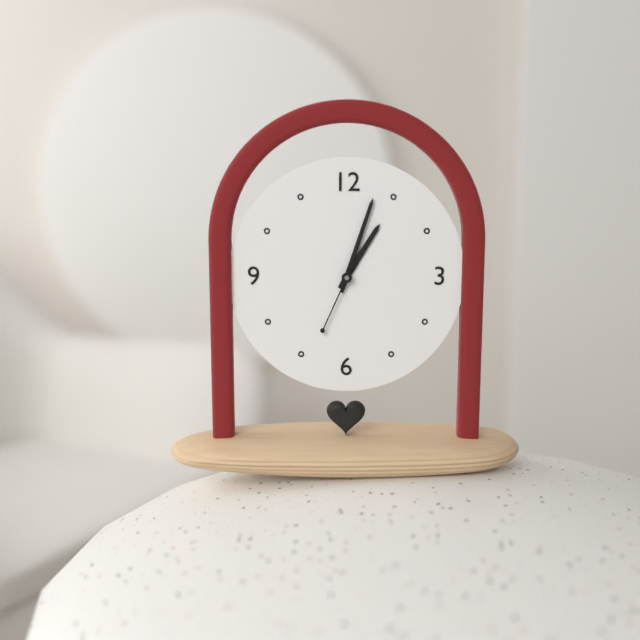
1:03:34
